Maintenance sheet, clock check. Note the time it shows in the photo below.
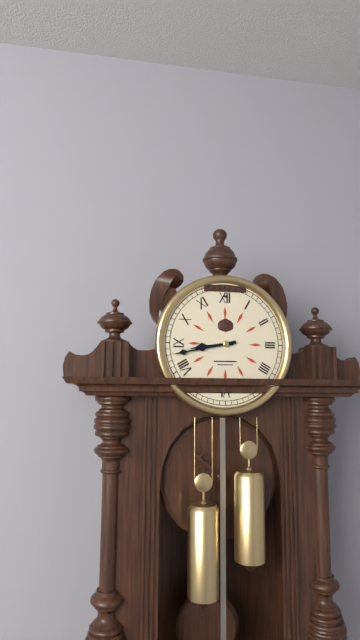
8:43
